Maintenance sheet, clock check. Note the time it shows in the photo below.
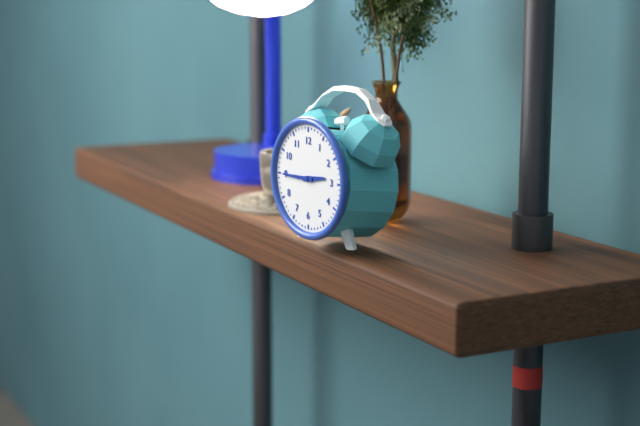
2:45
